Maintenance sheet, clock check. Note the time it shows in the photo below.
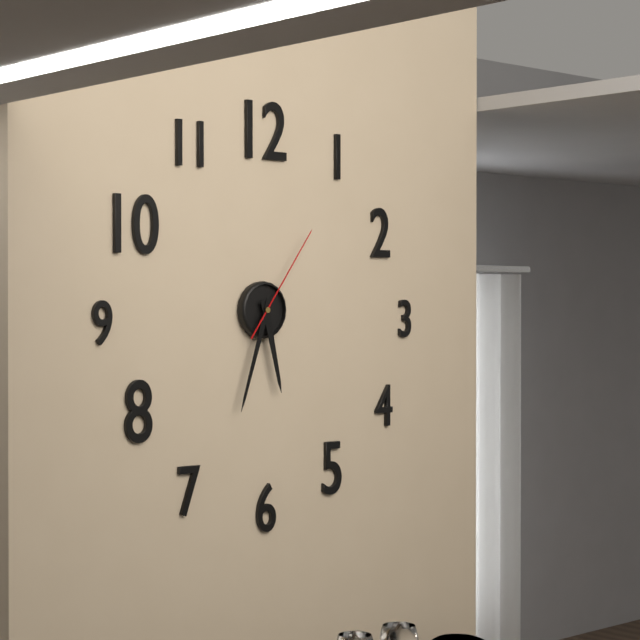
5:33:06
